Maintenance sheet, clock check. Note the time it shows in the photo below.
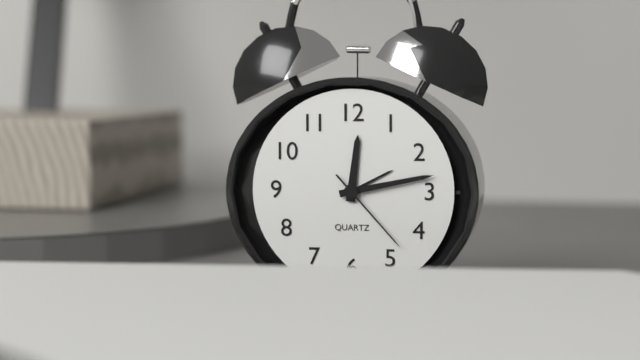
12:13:23
